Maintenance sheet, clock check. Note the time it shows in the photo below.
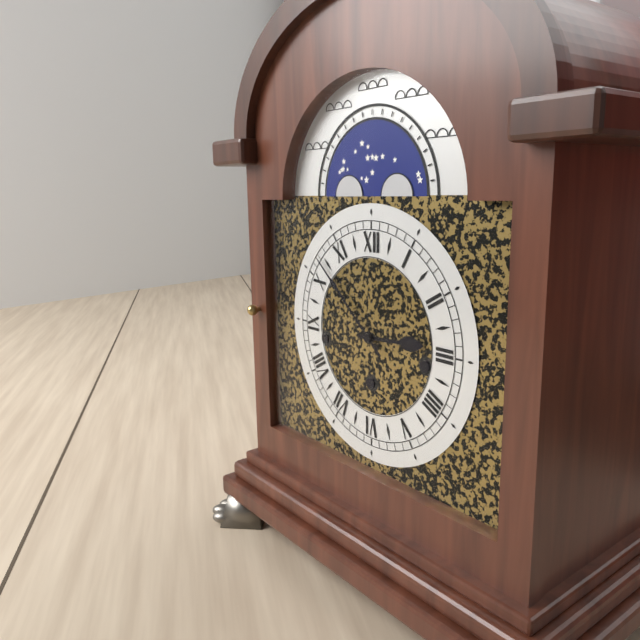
2:52
